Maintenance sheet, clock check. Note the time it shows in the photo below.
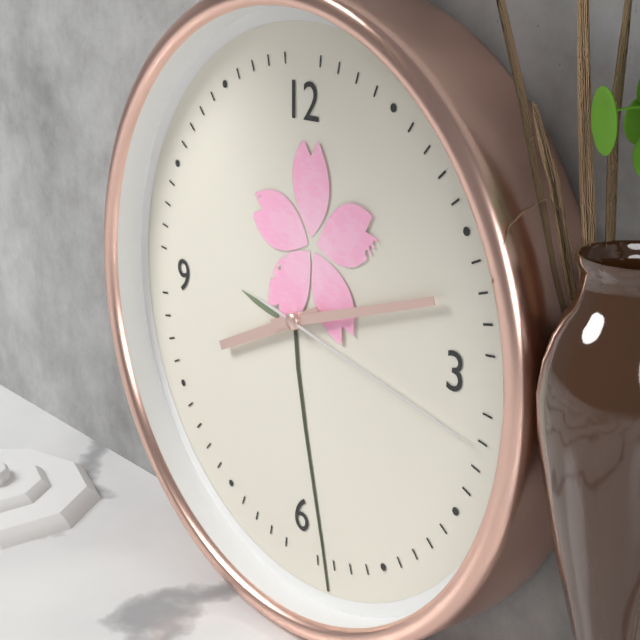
8:12:17
